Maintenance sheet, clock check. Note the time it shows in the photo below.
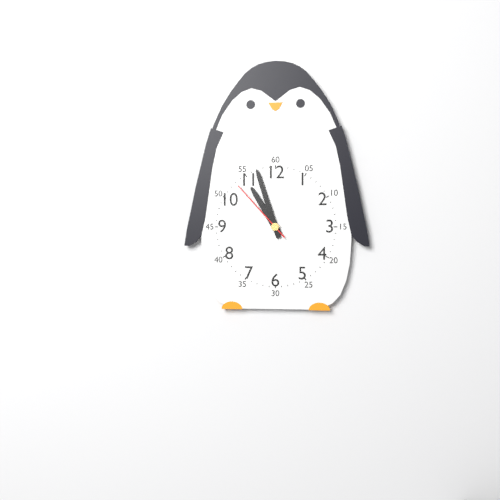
10:57:53
